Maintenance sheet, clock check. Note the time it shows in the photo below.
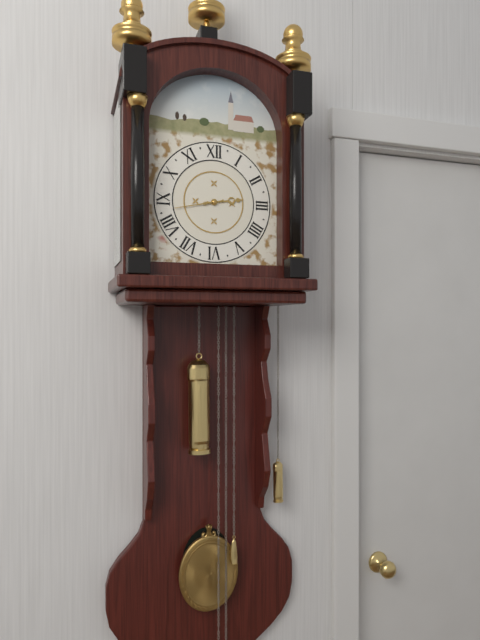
2:43
